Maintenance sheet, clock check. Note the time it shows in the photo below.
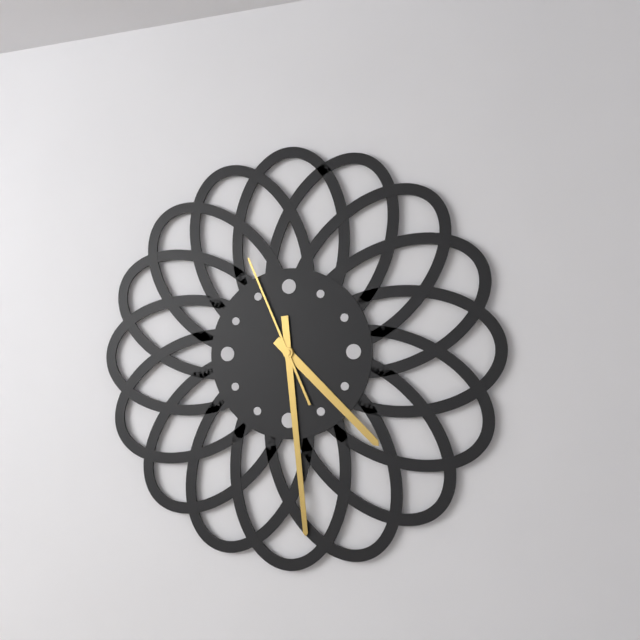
4:29:56
